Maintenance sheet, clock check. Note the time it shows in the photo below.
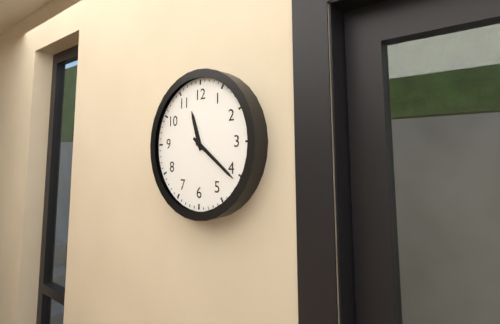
11:21
